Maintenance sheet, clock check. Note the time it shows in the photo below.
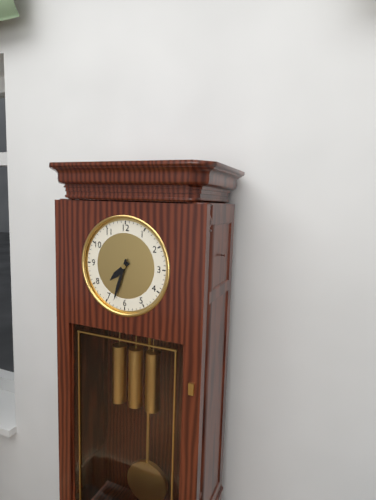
7:33
